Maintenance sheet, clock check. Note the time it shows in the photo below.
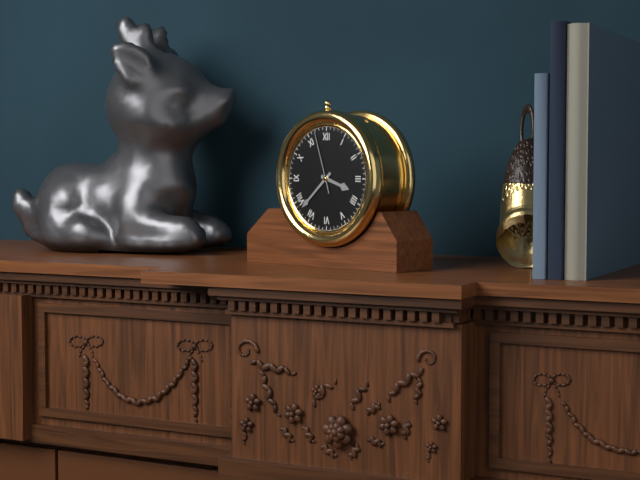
3:38:57
